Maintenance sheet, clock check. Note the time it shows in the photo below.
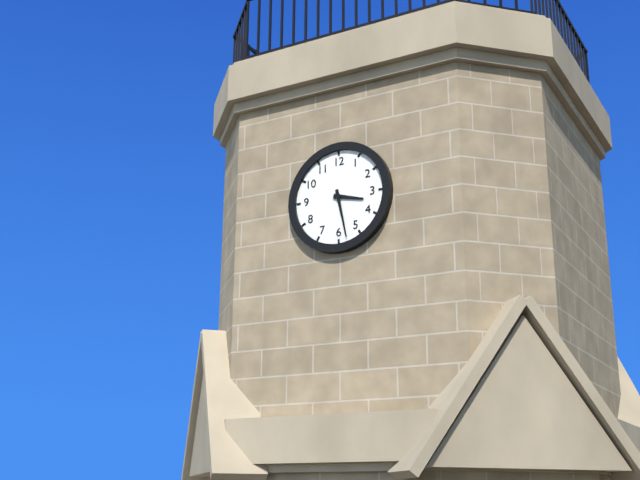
3:28
